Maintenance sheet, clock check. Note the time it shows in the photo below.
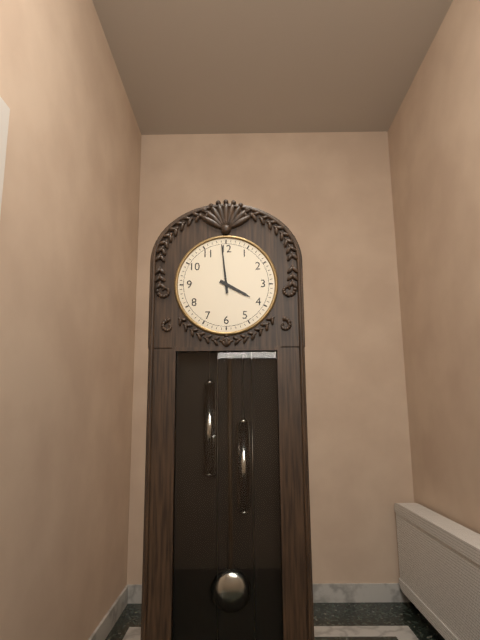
3:59
